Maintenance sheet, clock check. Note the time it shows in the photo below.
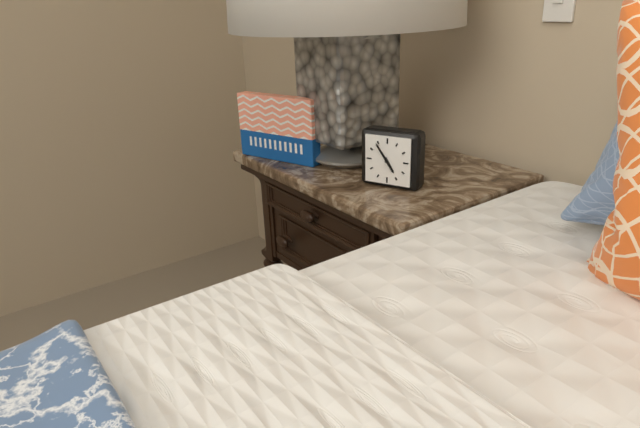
4:54
